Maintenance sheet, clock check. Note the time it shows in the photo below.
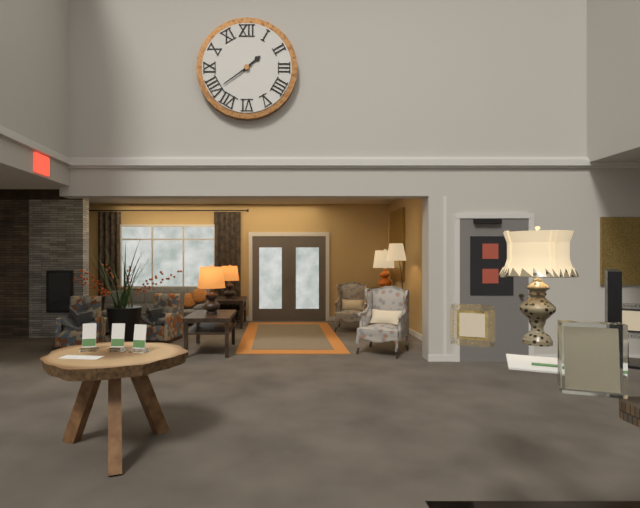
1:39
